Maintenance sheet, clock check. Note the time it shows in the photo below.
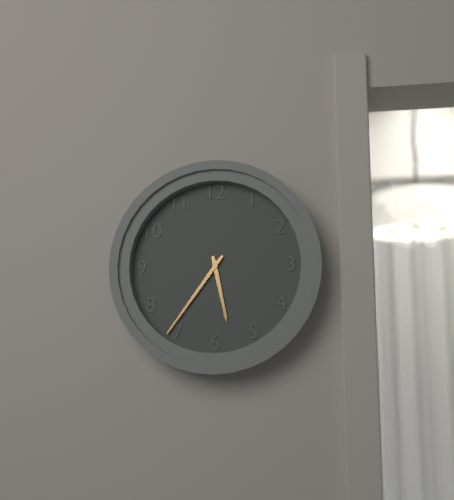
5:36
